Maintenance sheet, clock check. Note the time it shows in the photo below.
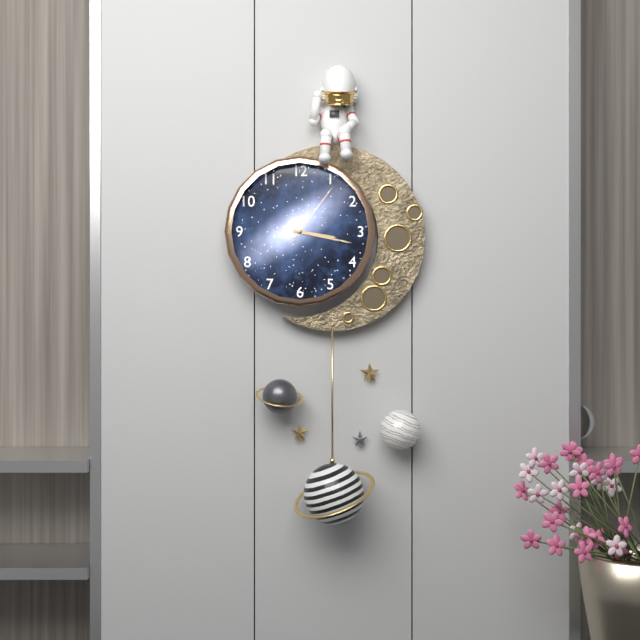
3:17:06
